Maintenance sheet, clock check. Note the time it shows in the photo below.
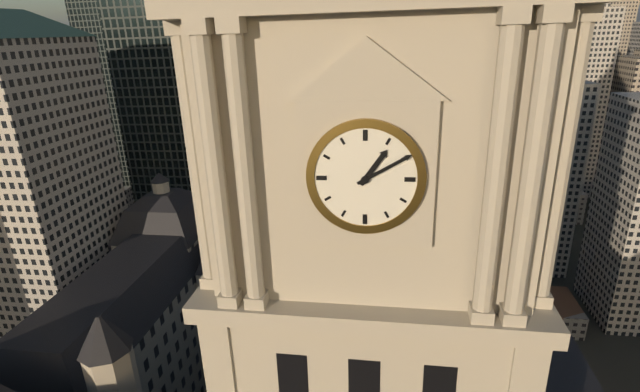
1:10
